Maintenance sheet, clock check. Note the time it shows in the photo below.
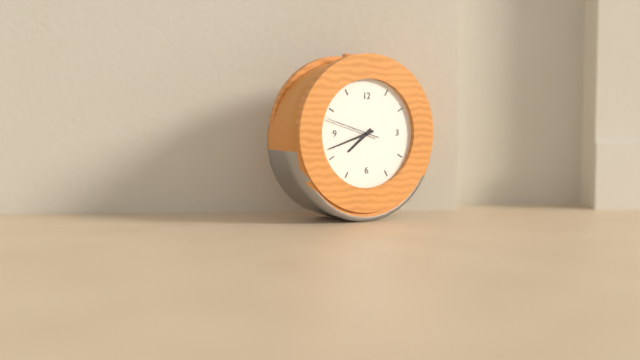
7:42:48
